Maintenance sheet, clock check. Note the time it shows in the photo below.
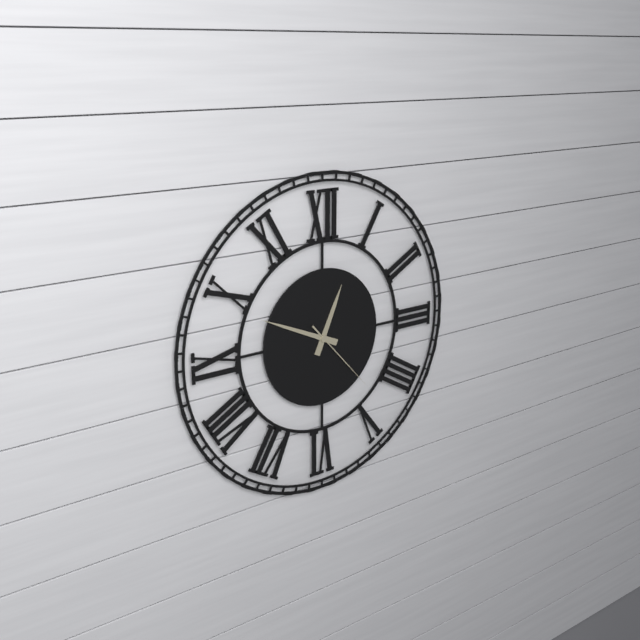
12:49:23
